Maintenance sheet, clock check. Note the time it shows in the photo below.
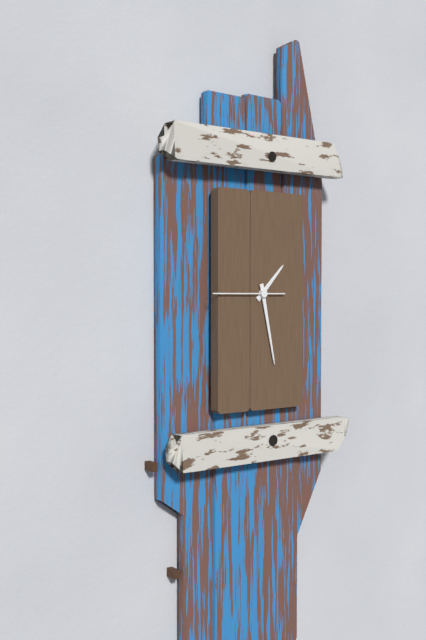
1:28:45
